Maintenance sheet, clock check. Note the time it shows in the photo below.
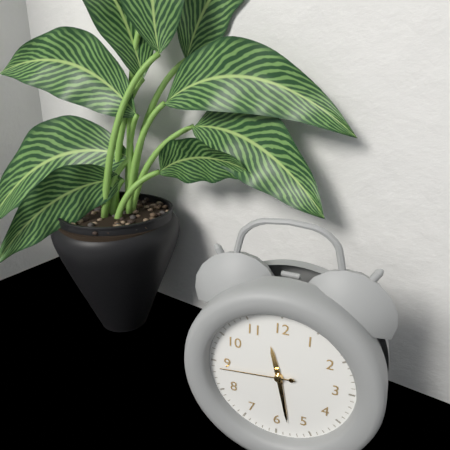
11:28:44
